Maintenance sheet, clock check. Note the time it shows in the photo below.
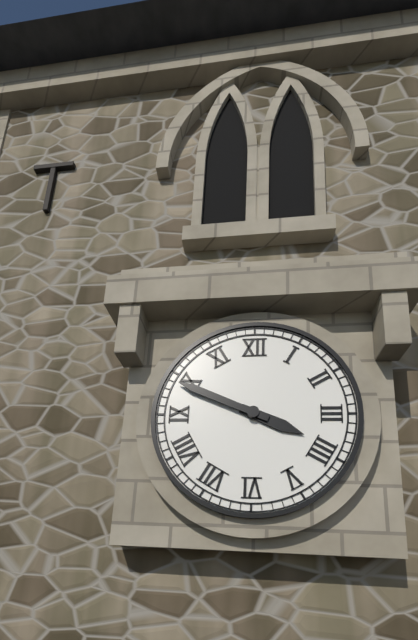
3:49
